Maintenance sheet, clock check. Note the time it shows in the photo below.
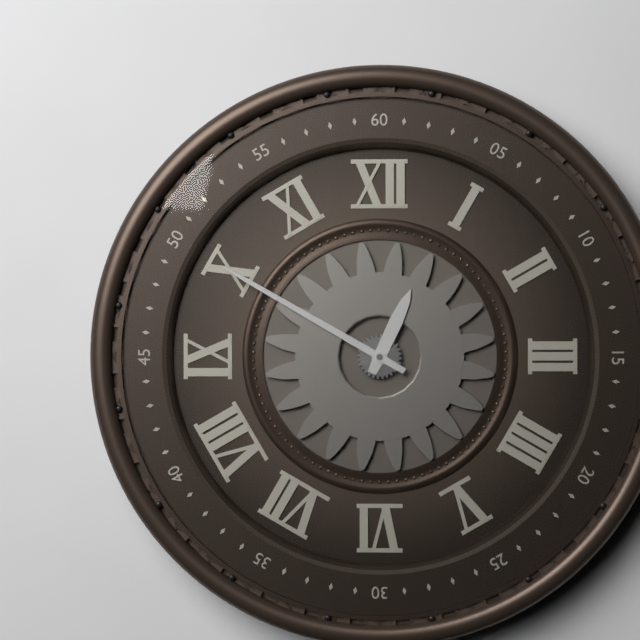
12:50
